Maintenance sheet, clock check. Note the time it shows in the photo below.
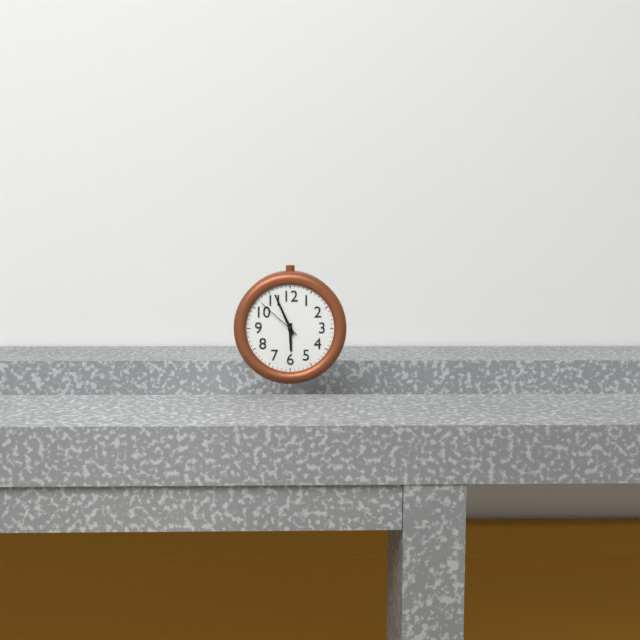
5:56
